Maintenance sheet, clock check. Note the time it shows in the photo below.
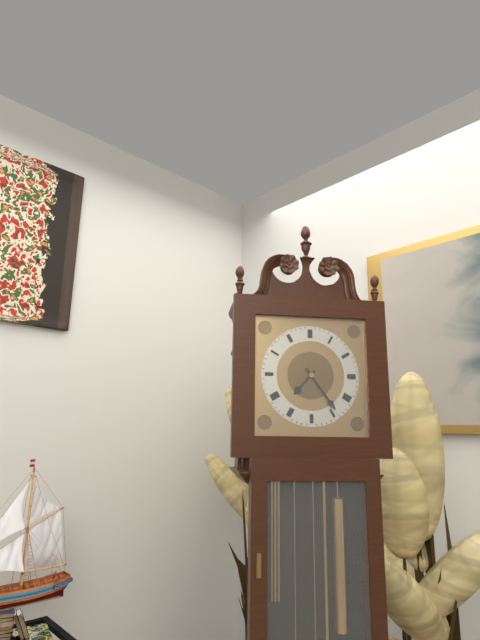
7:24
